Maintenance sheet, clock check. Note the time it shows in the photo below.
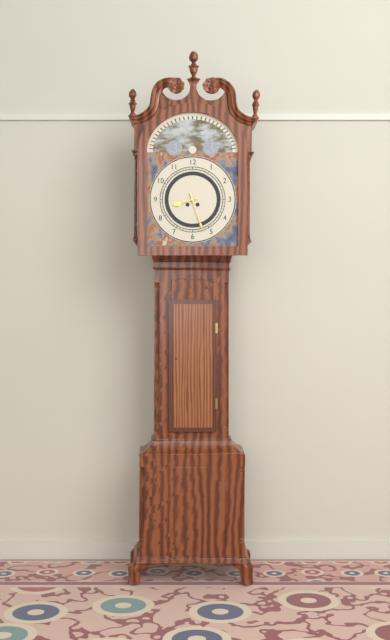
8:27
